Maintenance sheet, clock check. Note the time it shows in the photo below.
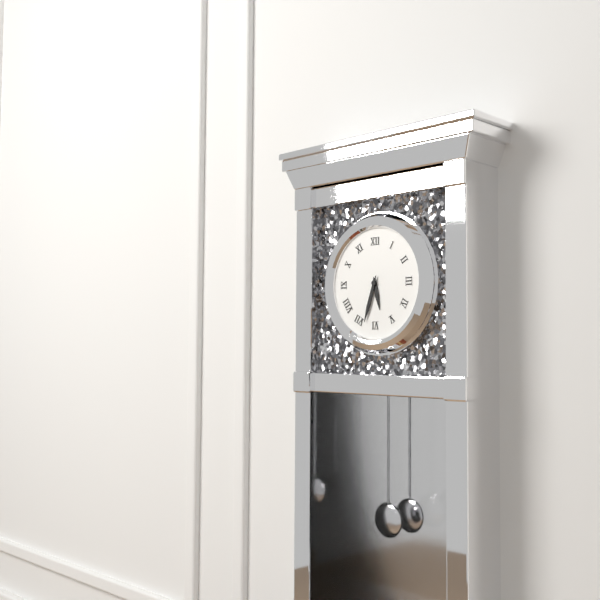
5:33
